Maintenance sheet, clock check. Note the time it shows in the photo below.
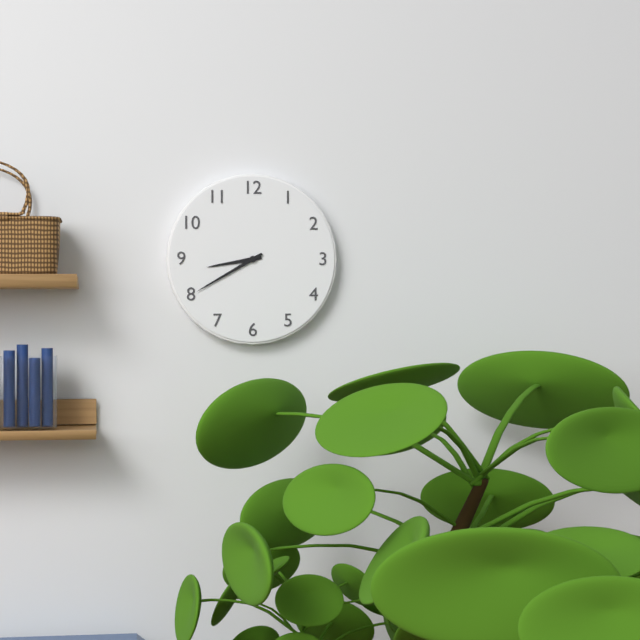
8:40
